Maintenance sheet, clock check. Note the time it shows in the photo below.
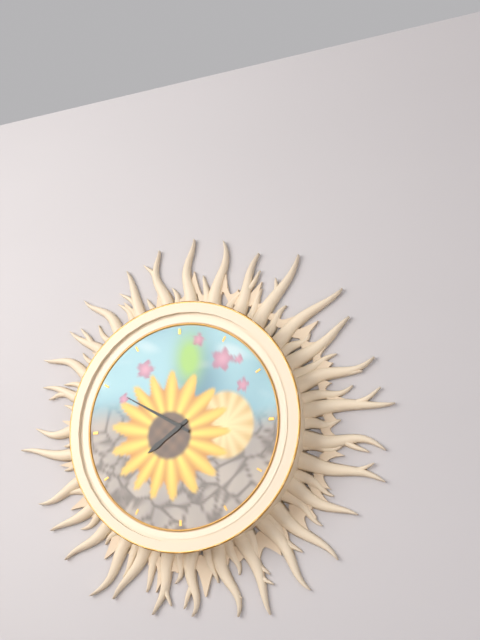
7:50
